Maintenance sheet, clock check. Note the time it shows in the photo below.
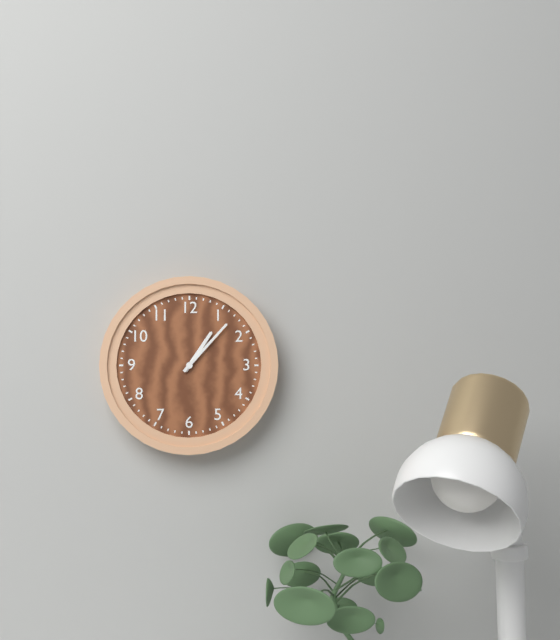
1:07
